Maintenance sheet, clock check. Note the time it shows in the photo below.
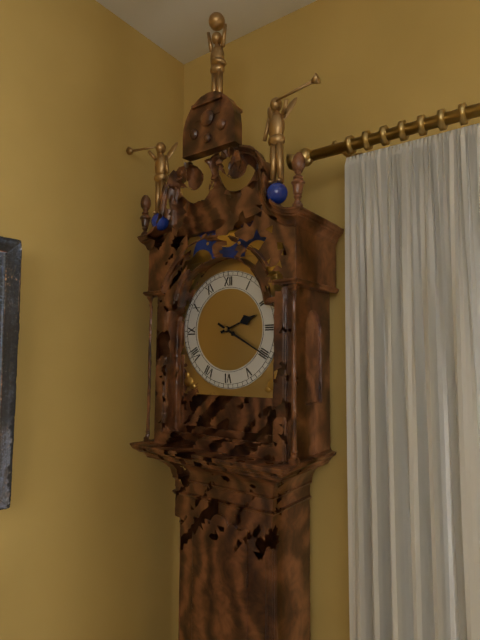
2:20
